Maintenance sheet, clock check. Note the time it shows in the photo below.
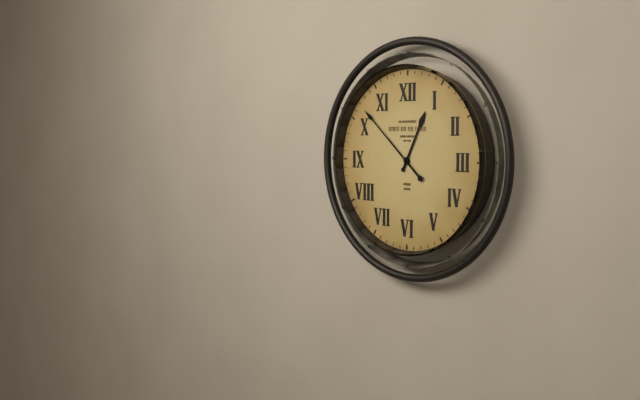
12:52
